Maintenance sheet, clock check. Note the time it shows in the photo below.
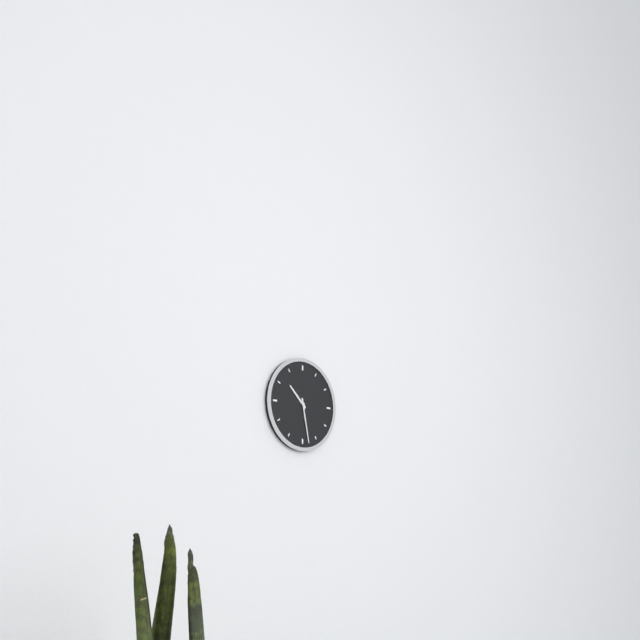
10:28
